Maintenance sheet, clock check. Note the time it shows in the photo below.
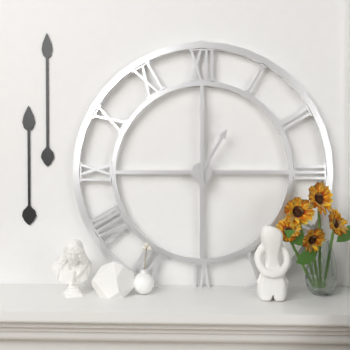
1:00
